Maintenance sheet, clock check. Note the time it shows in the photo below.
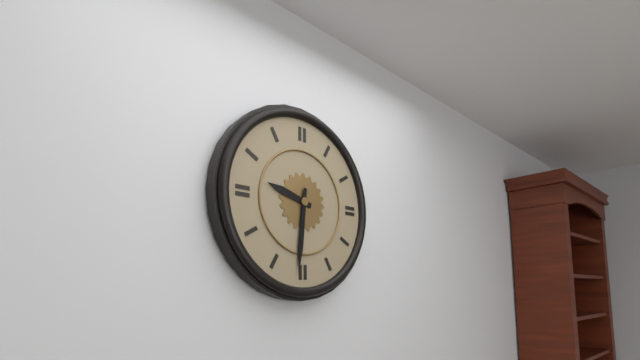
9:31
